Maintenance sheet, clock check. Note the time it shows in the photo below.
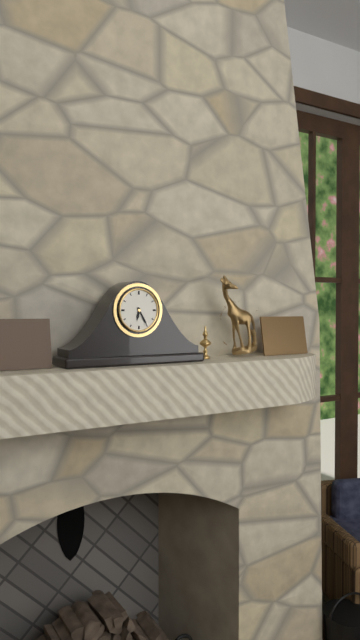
6:25
